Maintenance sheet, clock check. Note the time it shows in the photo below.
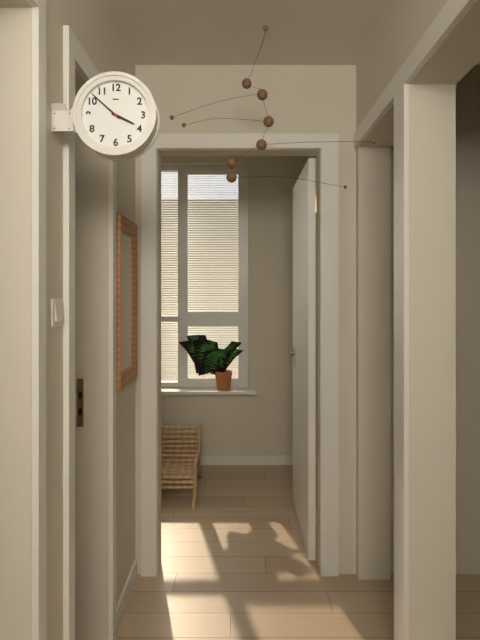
3:52
